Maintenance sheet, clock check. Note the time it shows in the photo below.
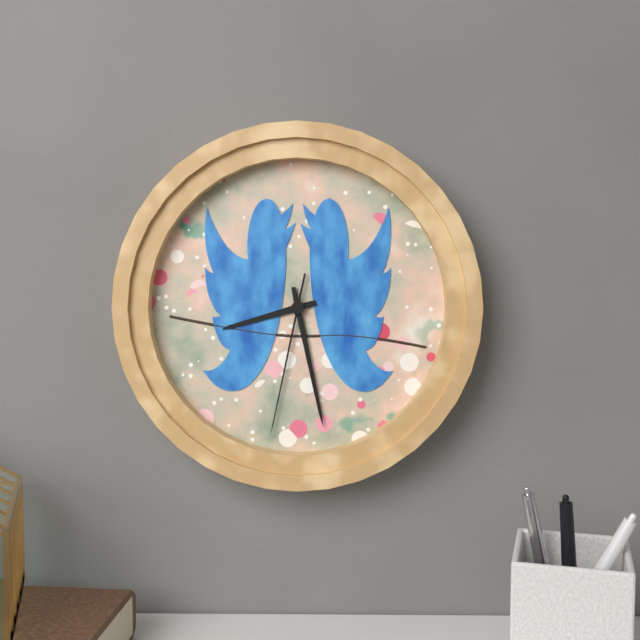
8:28:32
